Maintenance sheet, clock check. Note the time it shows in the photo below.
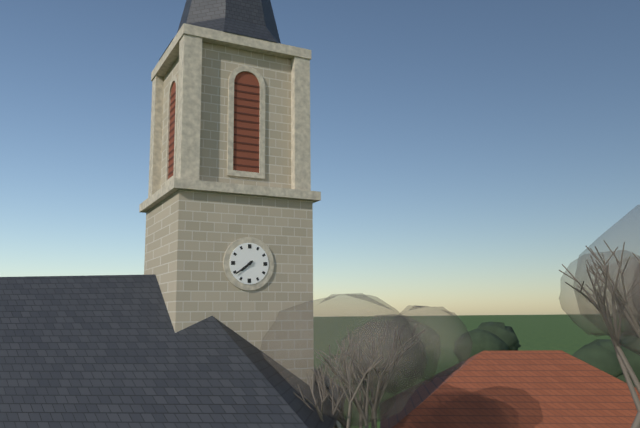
7:39
